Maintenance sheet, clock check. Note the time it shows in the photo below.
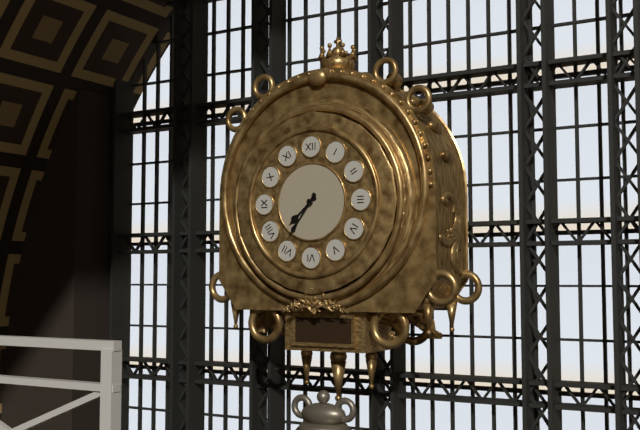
7:36
